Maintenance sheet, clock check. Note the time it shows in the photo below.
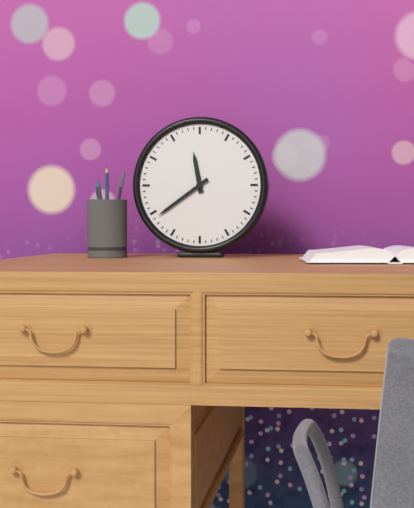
11:39
